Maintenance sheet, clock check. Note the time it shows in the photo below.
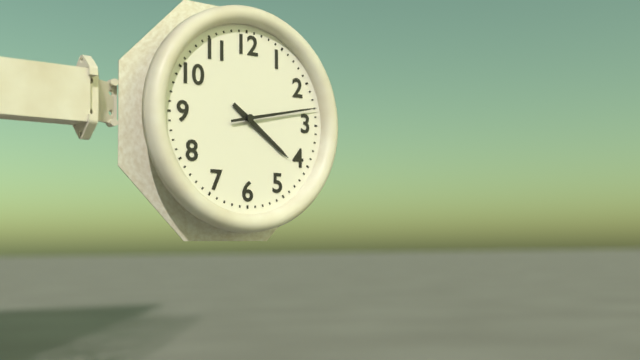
4:13
